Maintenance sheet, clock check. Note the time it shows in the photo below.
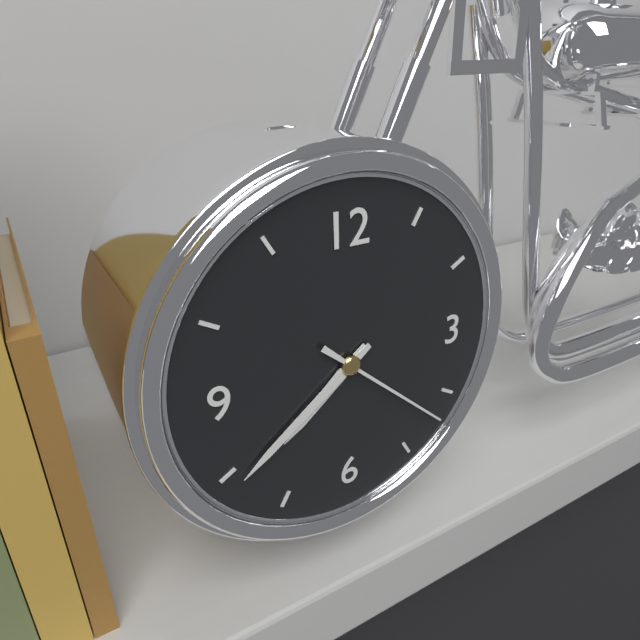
7:39:22
